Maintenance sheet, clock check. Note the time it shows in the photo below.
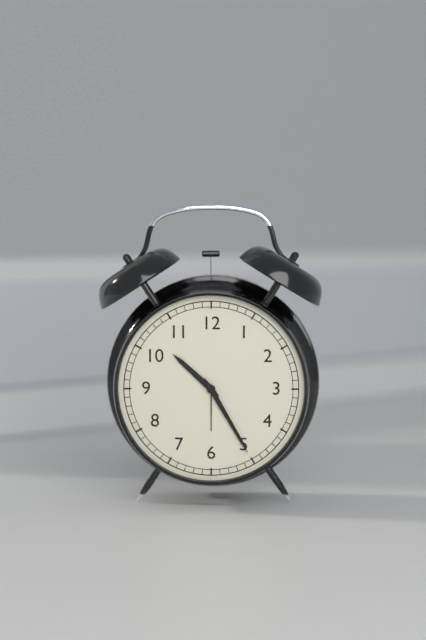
10:25
